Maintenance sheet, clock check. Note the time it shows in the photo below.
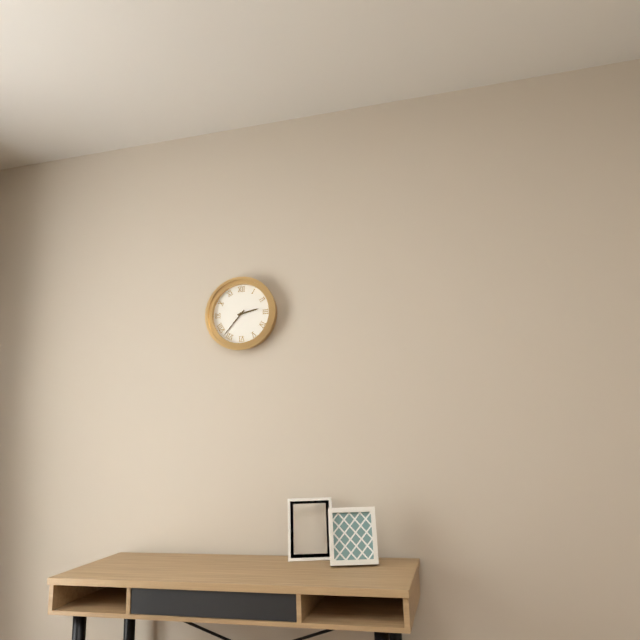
2:37
